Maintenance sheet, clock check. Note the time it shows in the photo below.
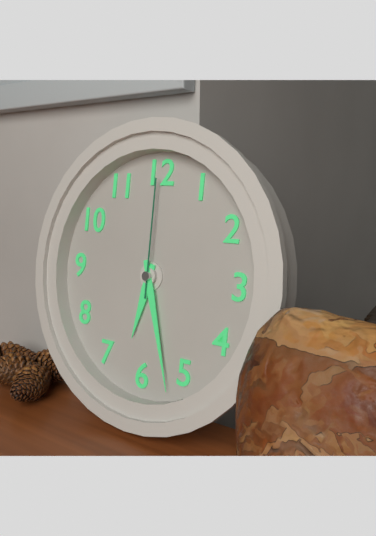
6:27:00
